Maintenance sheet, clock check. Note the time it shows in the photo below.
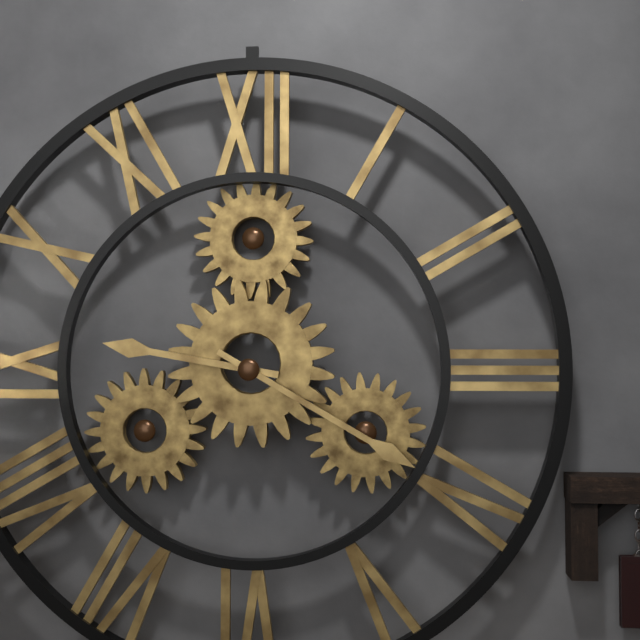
9:20
